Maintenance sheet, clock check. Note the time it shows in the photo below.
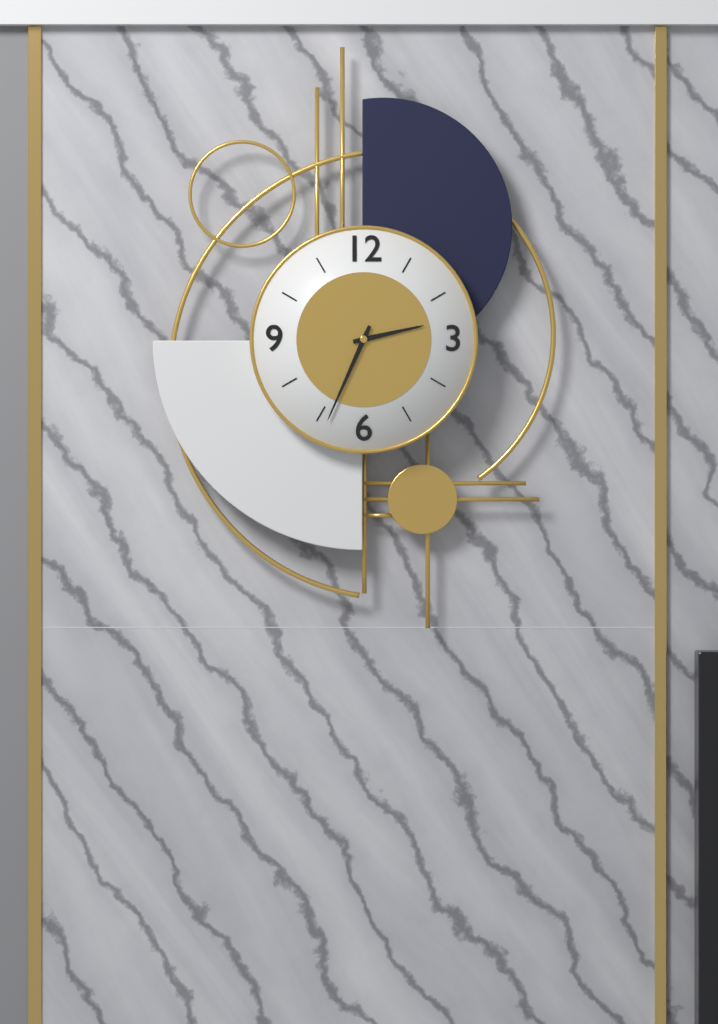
2:34
